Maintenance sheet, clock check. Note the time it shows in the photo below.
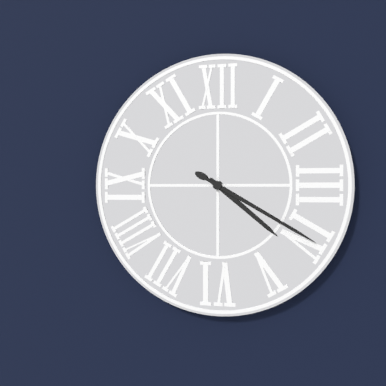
4:20
